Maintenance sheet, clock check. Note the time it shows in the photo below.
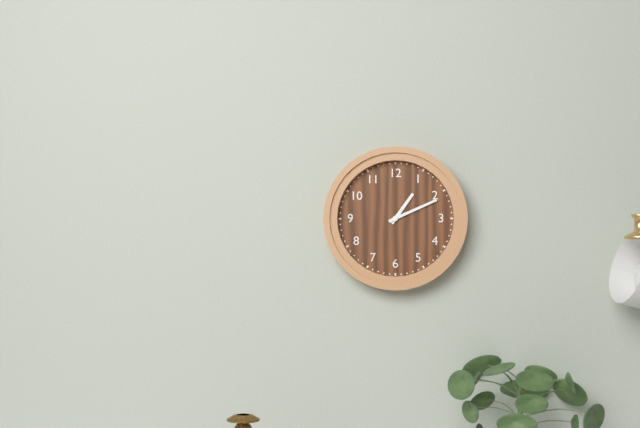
1:11
